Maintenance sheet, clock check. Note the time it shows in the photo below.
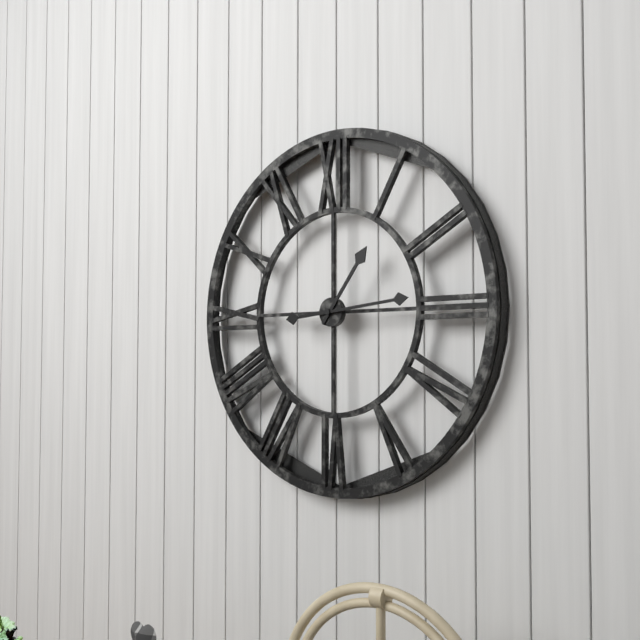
1:14
